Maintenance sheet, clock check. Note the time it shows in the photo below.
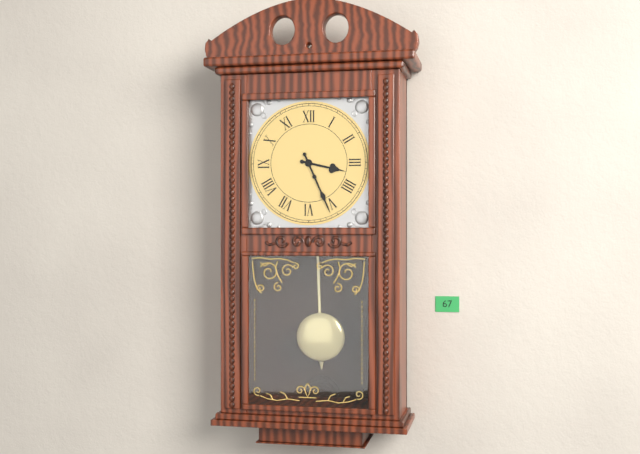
3:26
